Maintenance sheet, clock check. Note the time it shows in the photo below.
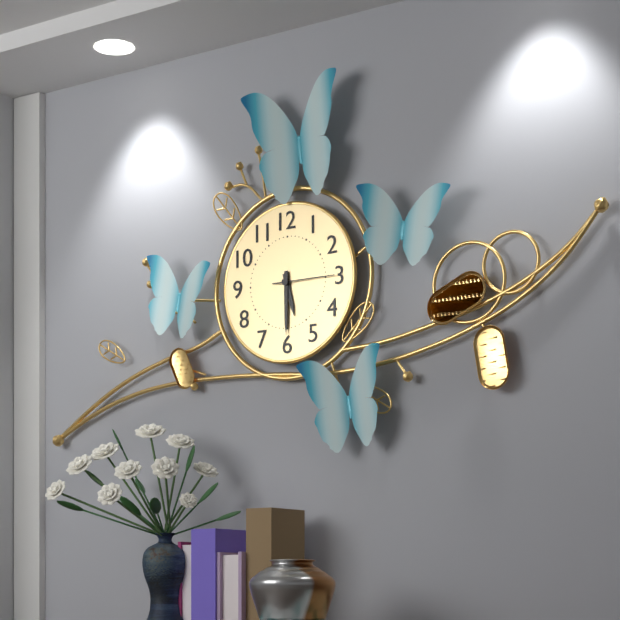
5:30:15
